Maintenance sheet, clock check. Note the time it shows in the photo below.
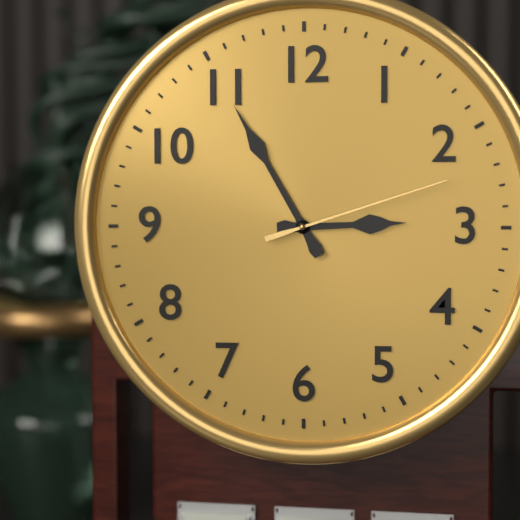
2:55:12
